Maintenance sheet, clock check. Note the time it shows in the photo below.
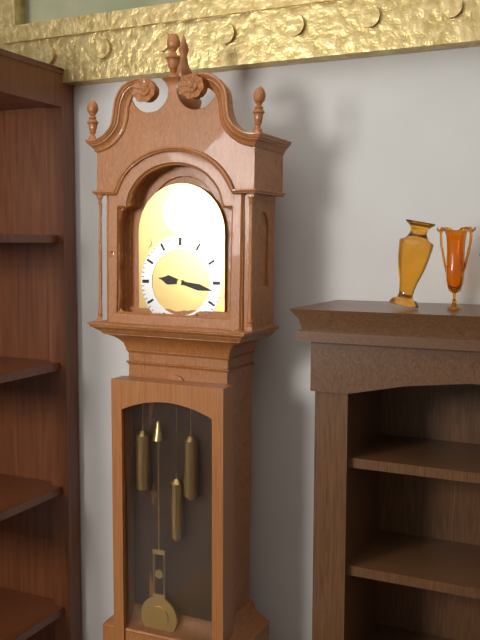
9:17
